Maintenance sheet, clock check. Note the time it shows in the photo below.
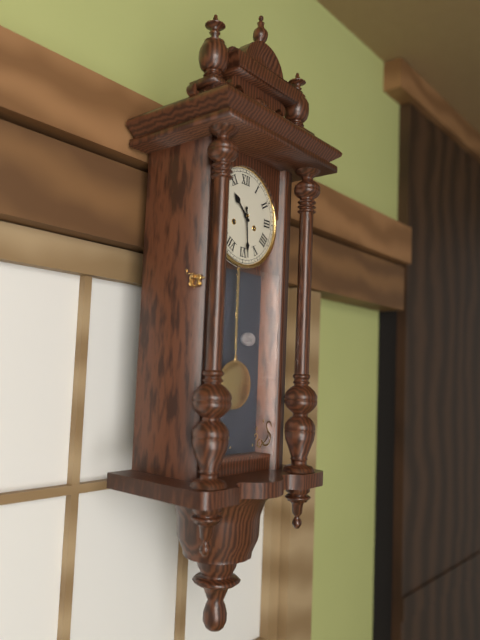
10:29
